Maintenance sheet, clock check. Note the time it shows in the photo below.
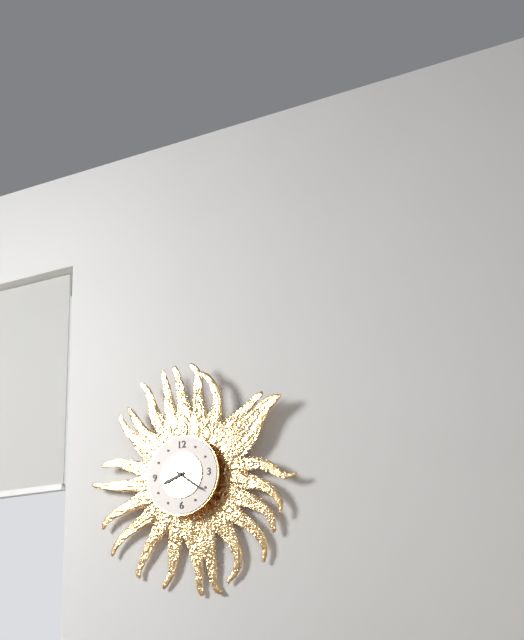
8:21
